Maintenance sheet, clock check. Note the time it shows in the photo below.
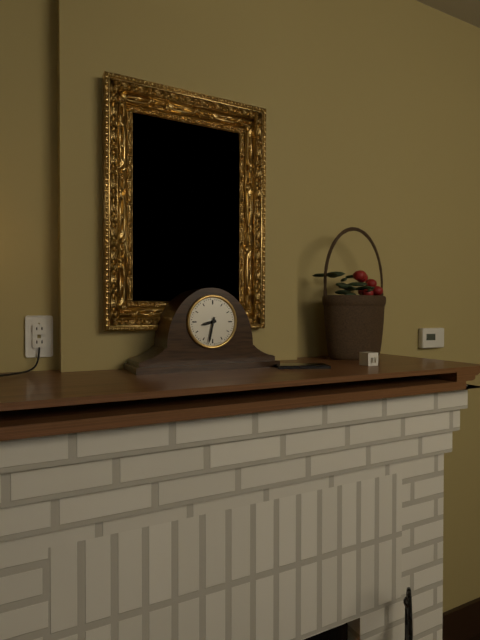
8:32
